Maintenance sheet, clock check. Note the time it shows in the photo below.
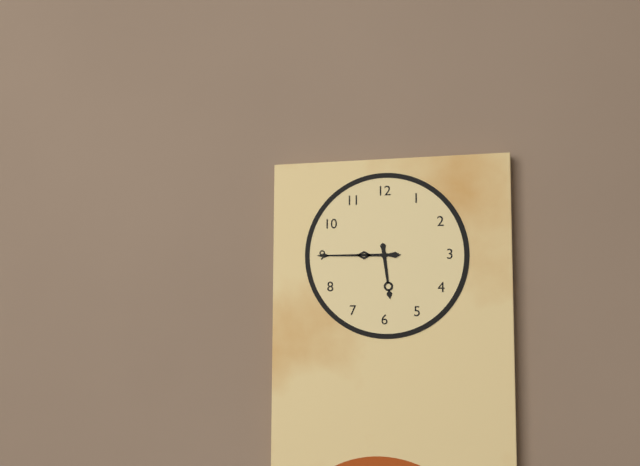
5:45
